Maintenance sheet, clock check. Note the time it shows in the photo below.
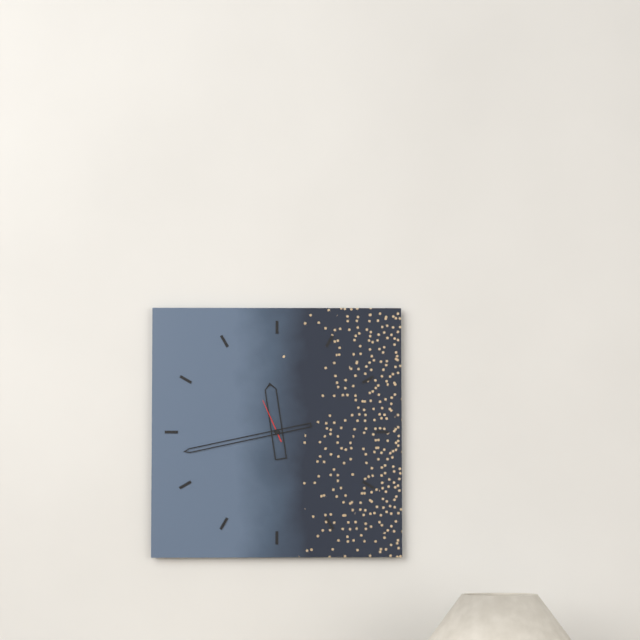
11:43
